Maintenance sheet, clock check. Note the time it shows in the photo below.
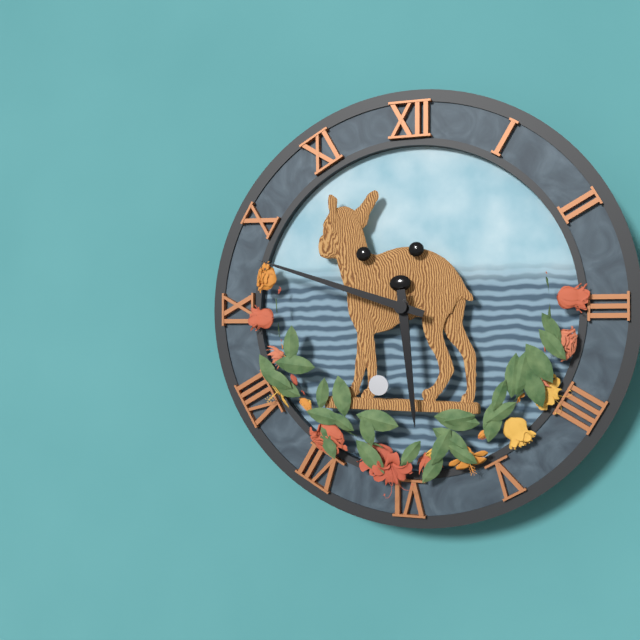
5:48
